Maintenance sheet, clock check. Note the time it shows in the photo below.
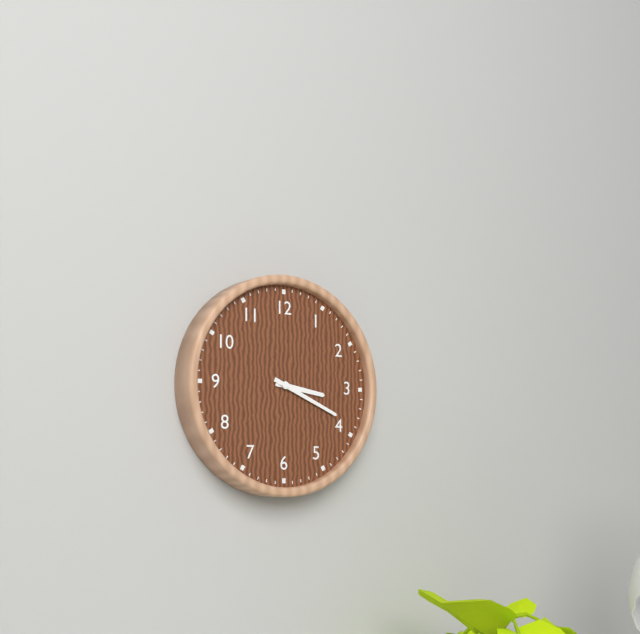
3:19
